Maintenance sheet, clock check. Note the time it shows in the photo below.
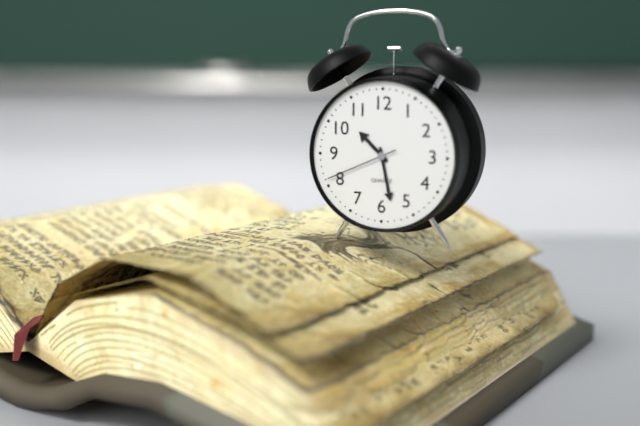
10:28:41
